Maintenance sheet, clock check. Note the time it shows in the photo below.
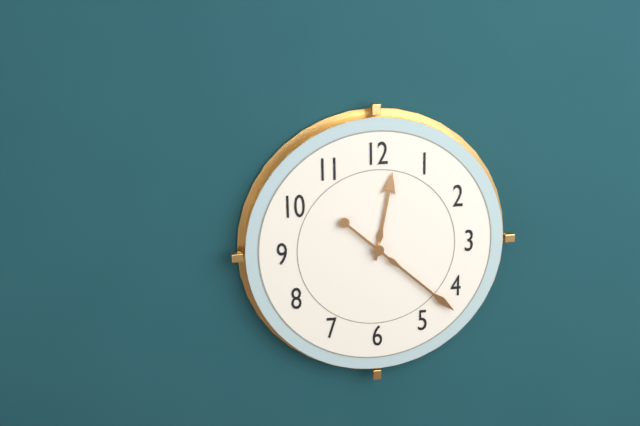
12:22
